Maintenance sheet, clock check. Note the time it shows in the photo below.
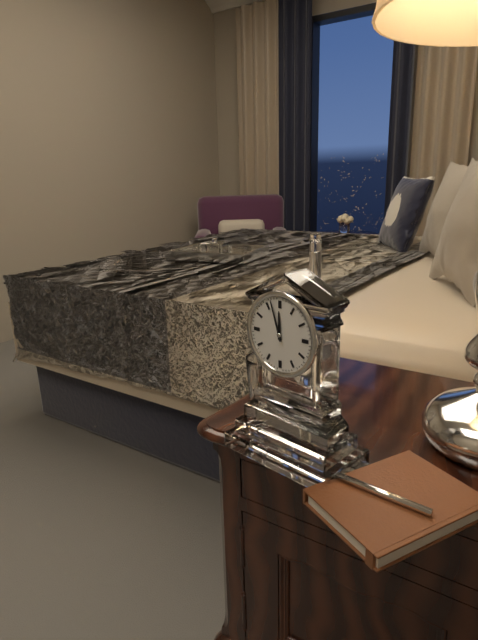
11:57
